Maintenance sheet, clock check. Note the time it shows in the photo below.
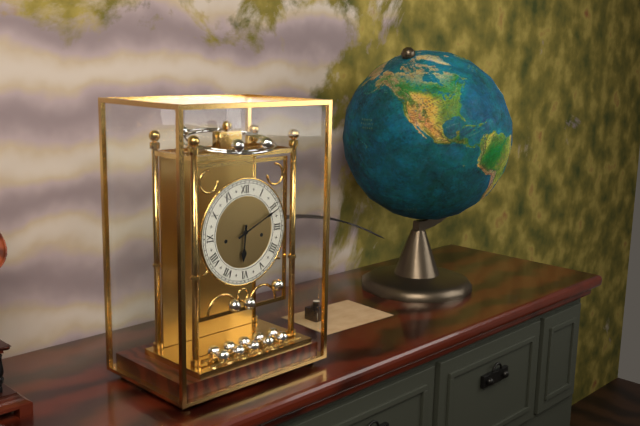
6:11
